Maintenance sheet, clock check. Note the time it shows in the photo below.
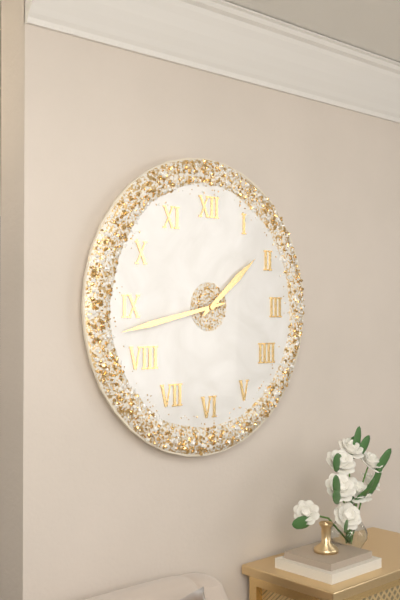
1:43
